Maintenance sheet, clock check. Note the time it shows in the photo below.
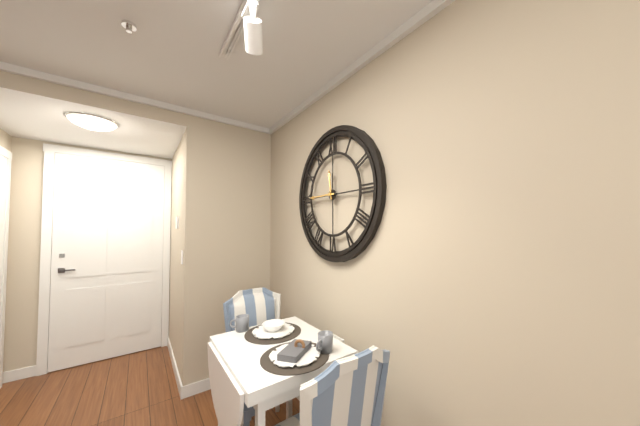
11:45
